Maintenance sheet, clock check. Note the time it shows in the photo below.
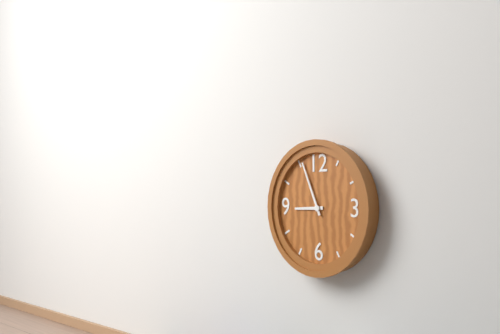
8:56
